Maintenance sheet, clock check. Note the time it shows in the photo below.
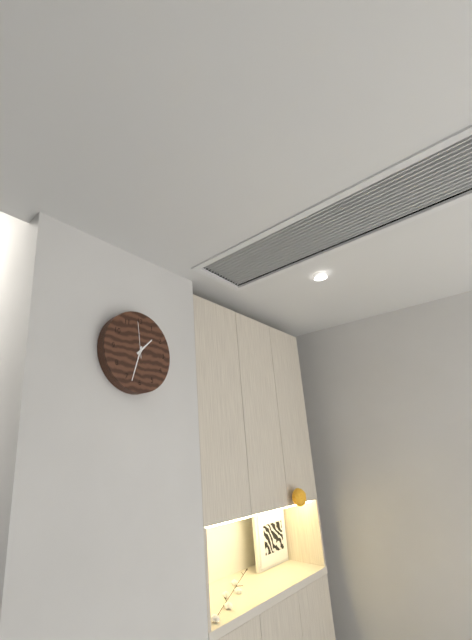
1:33
